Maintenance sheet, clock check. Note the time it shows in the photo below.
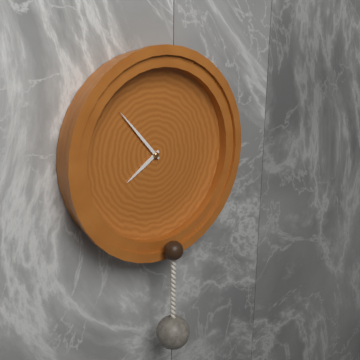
7:53
